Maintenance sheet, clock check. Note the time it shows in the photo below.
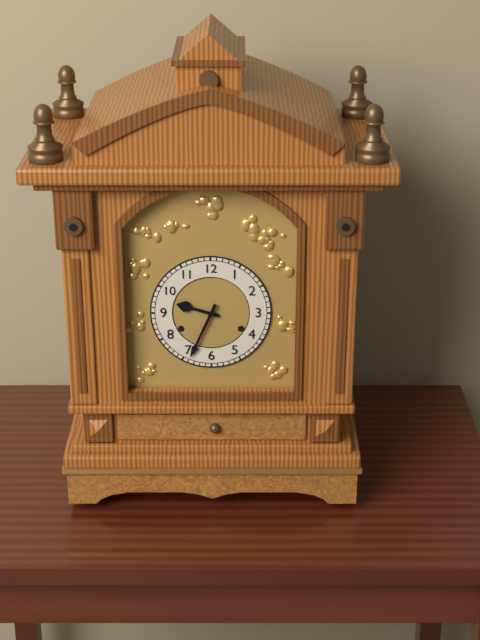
9:34
